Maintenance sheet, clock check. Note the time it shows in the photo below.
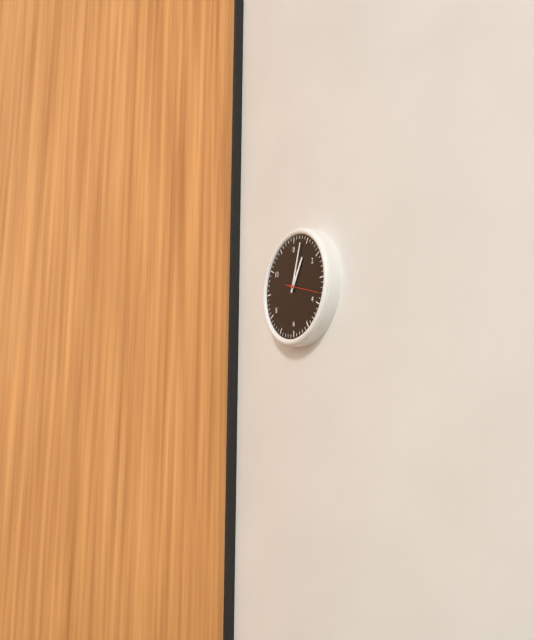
1:03
